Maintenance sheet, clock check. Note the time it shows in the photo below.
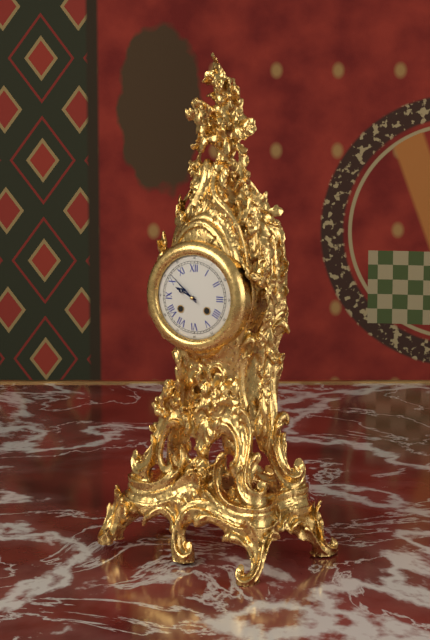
9:52
